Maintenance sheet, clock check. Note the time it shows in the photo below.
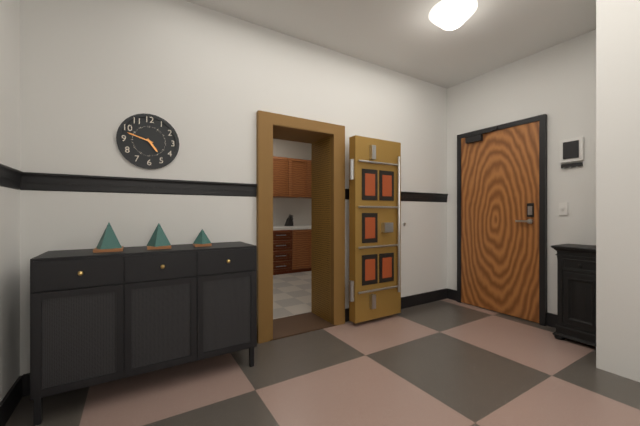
4:48
